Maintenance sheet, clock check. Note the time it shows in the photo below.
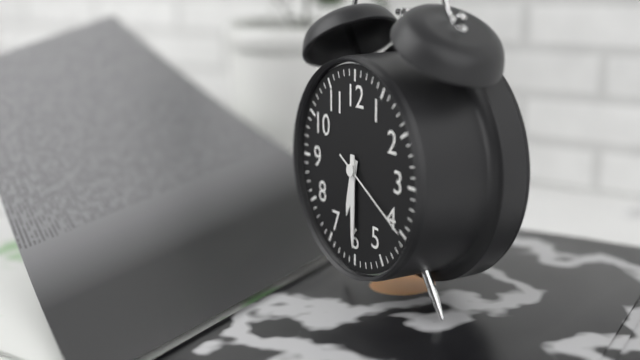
6:30:20
